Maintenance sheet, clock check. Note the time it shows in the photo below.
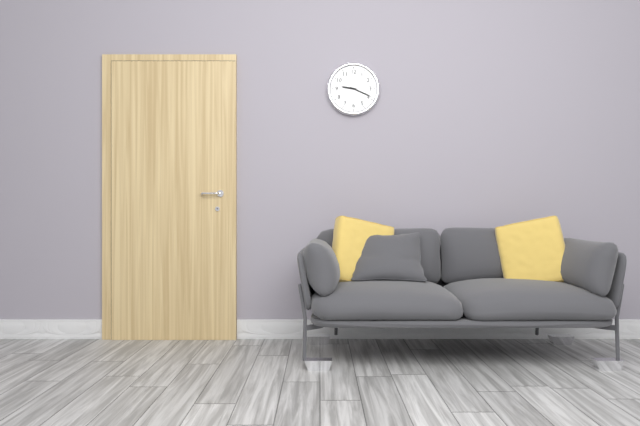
9:19
